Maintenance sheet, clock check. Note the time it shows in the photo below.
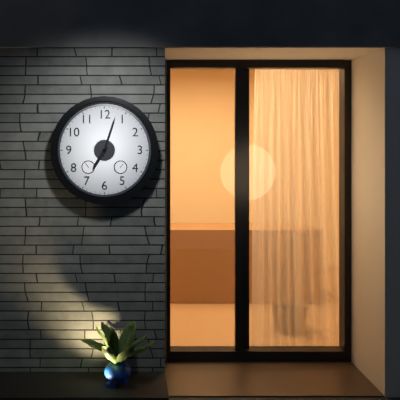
7:03
